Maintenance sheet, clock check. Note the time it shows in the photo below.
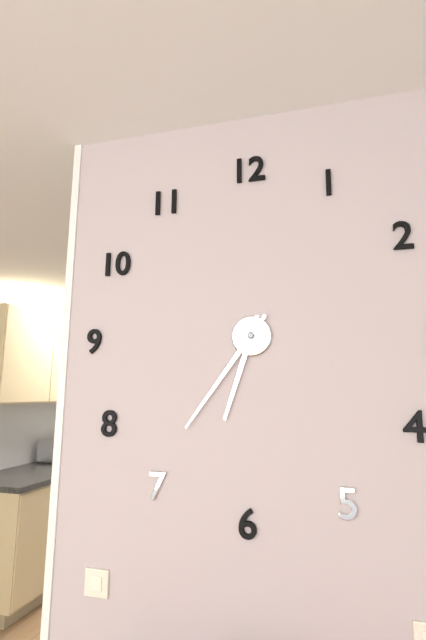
6:36
